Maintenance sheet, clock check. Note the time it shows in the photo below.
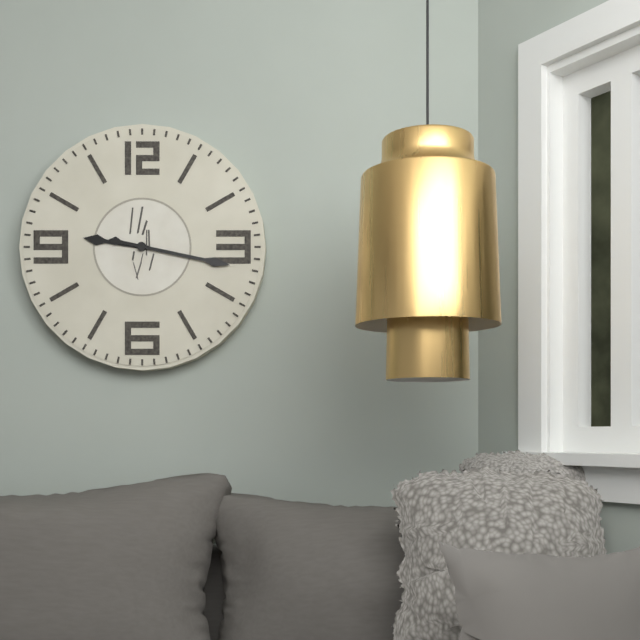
9:17
